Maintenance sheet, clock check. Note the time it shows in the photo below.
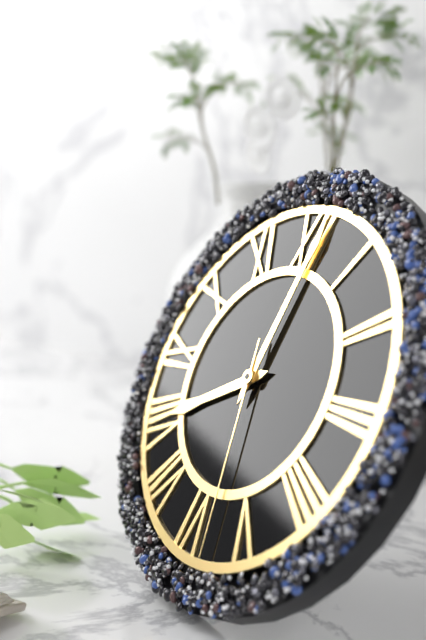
8:01:28
